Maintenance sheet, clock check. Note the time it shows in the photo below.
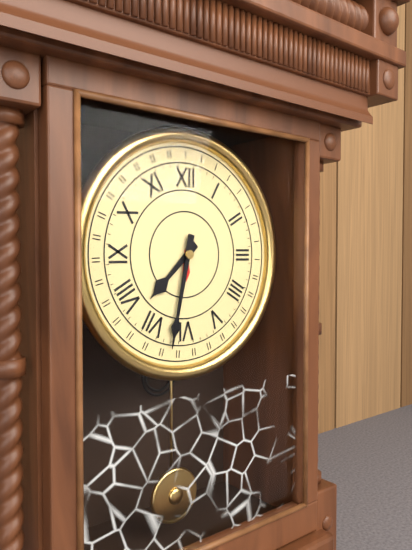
7:32
